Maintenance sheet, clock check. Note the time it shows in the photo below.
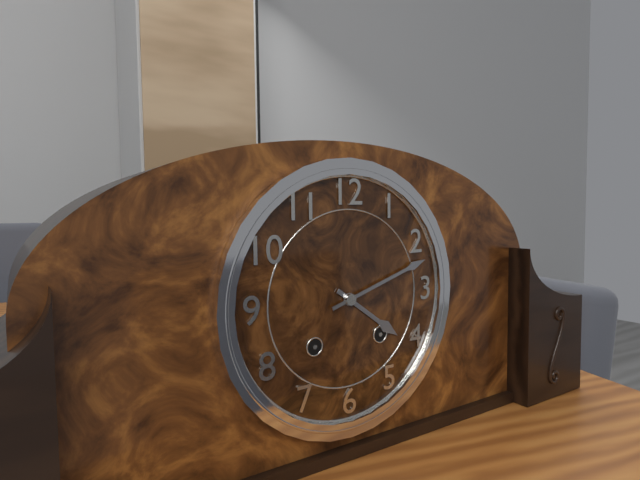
4:12
